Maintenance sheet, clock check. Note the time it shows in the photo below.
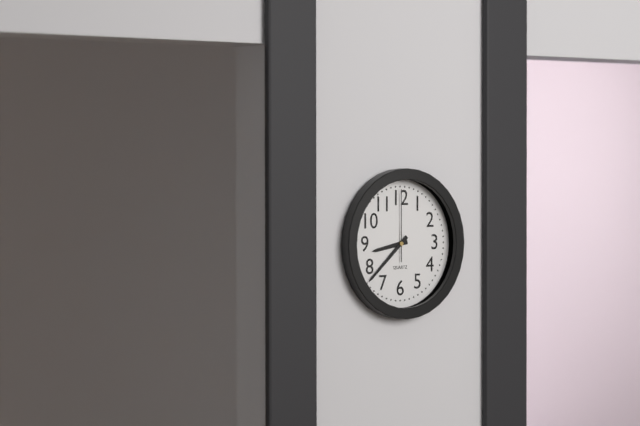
8:38:00
